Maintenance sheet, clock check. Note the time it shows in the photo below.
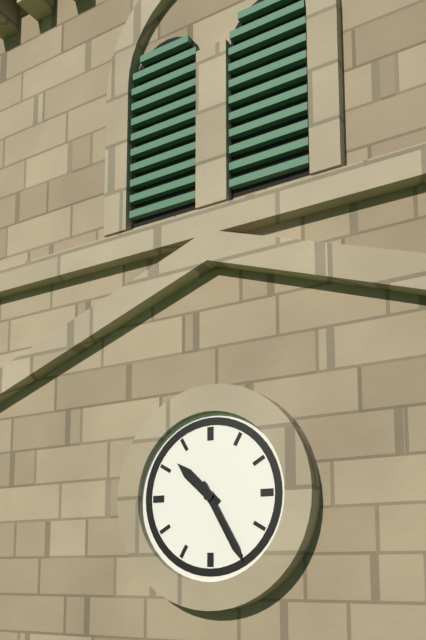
10:25
